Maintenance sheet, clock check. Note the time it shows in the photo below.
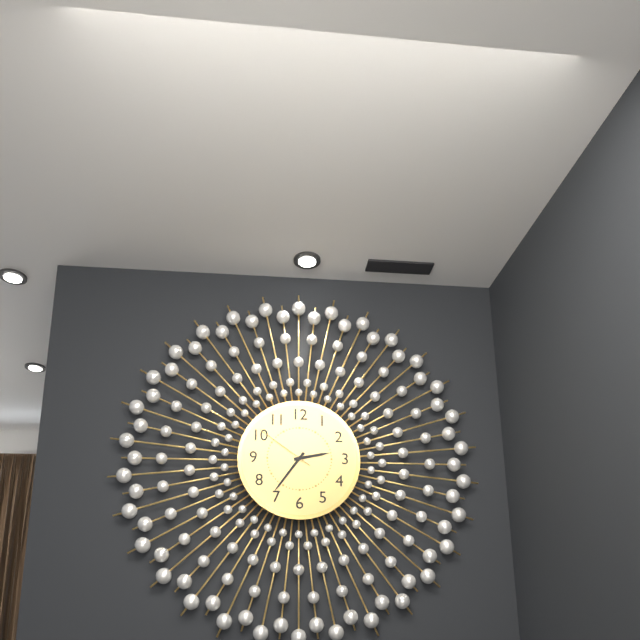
2:36:51
